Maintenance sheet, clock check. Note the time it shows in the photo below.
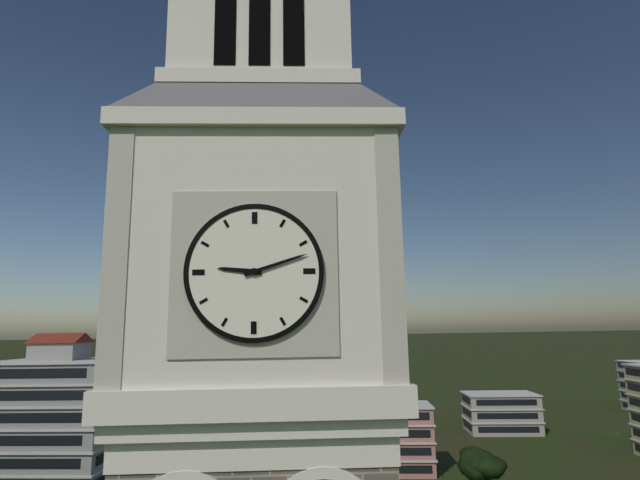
9:12
